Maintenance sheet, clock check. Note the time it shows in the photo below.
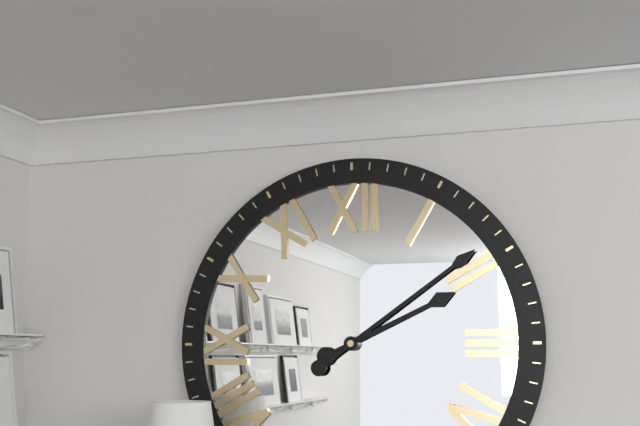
2:09
